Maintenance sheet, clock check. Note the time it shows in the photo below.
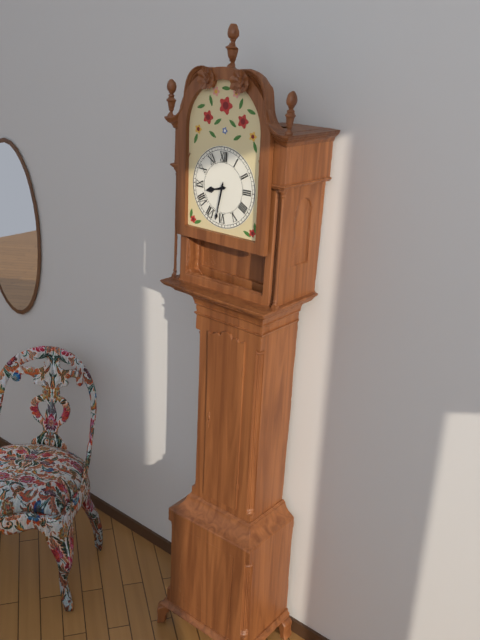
8:32
